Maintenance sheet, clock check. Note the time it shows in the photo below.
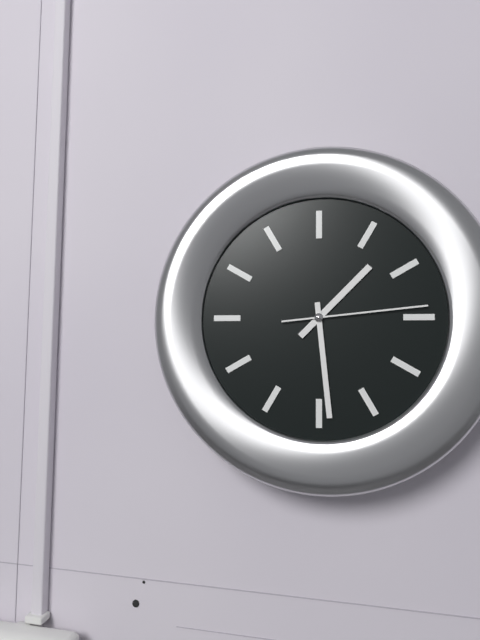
1:29:14
